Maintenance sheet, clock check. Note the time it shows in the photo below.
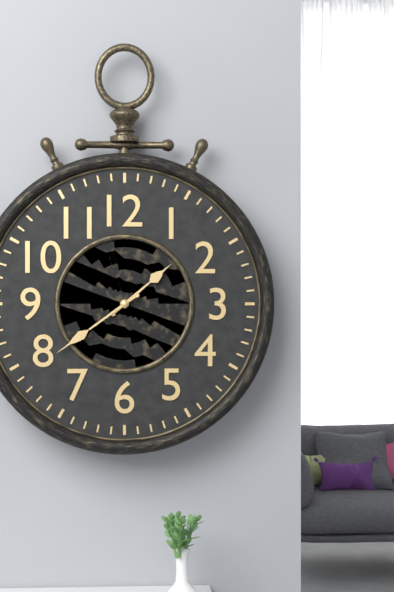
1:39
